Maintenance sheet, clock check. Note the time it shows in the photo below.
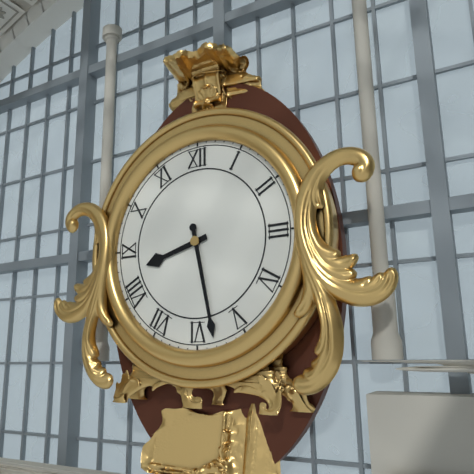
8:28
